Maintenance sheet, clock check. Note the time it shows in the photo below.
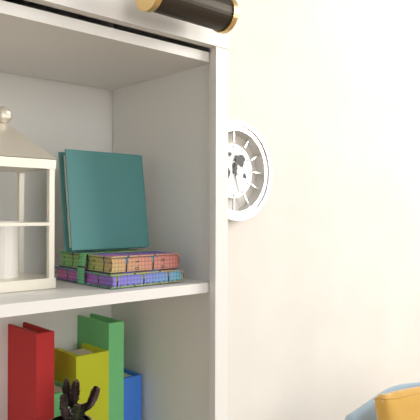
12:27
